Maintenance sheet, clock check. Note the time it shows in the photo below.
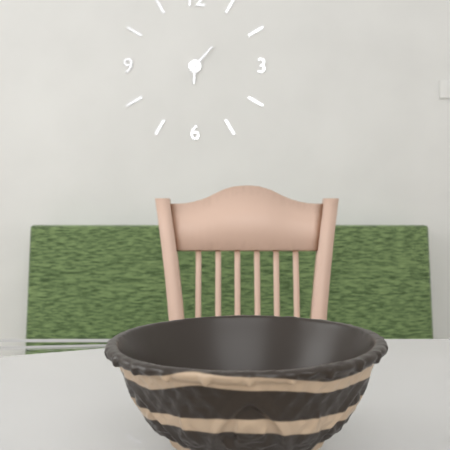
6:07
